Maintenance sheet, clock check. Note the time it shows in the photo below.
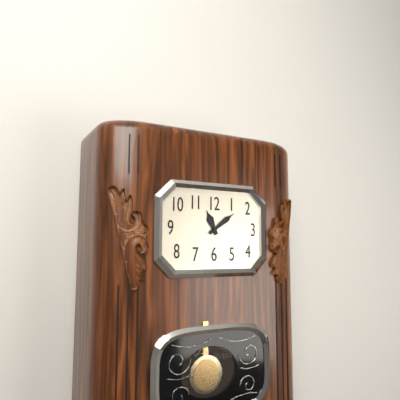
11:09
